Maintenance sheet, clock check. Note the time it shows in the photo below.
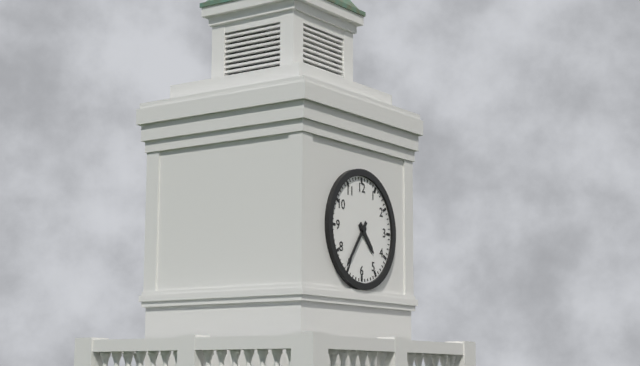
4:36
